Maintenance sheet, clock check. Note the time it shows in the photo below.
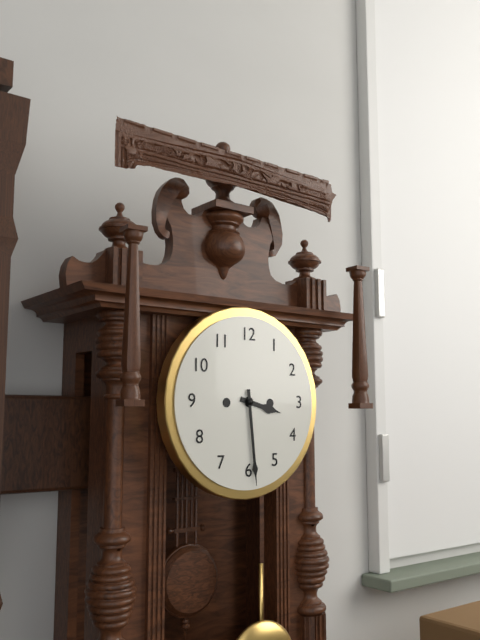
3:29
